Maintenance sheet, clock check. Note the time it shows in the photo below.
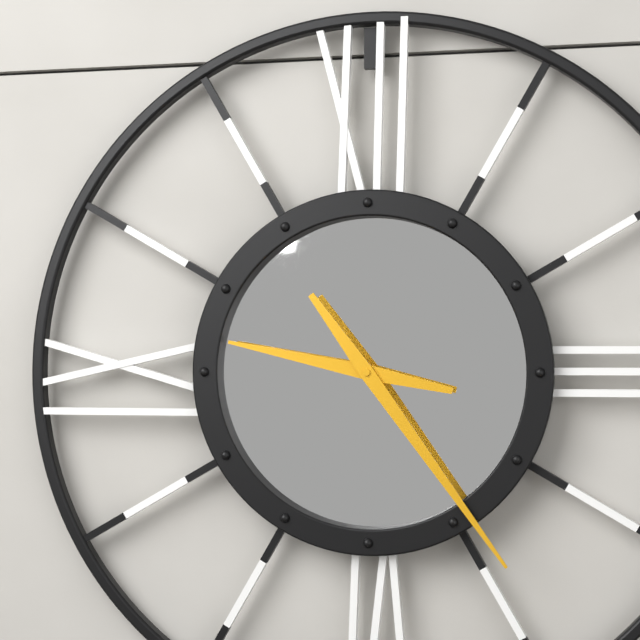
9:24
